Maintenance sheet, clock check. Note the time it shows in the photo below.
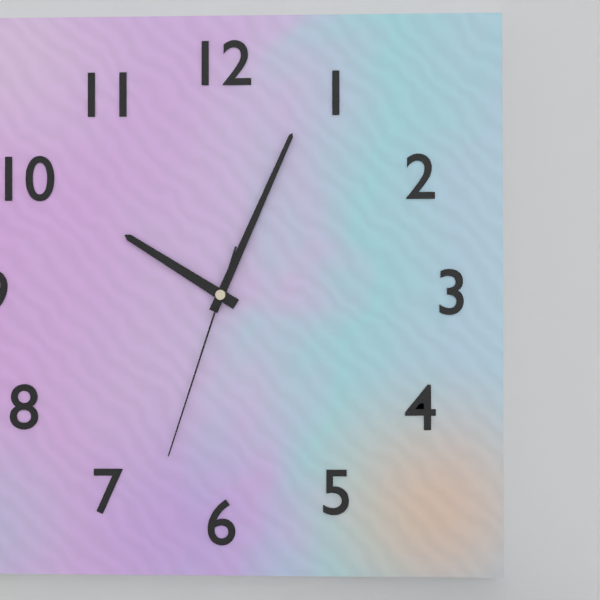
10:04:33
